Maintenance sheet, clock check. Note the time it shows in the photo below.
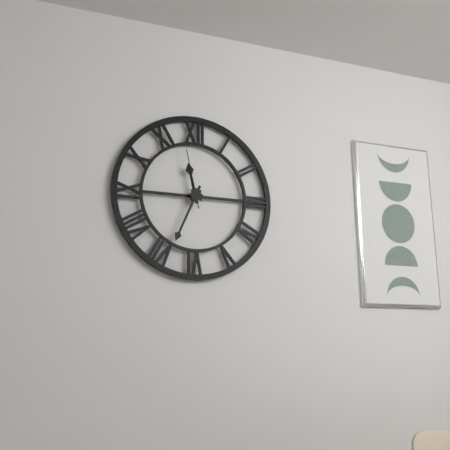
11:34:58
